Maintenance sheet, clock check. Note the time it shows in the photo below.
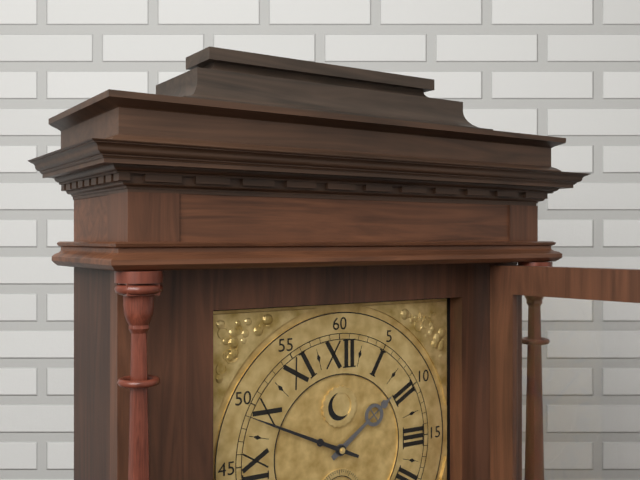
1:49
